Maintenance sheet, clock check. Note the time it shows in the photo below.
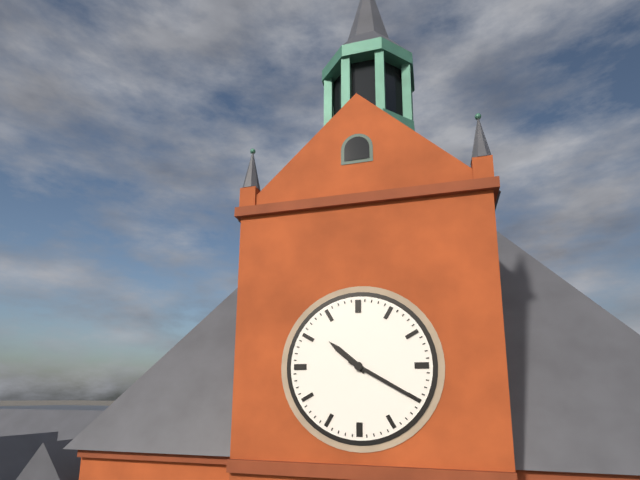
10:20
